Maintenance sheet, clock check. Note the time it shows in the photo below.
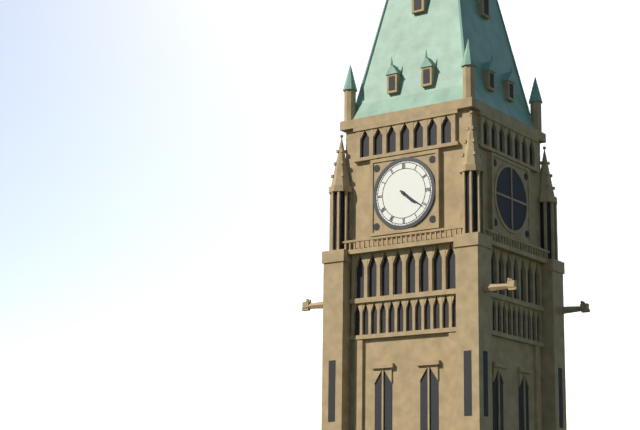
4:21
